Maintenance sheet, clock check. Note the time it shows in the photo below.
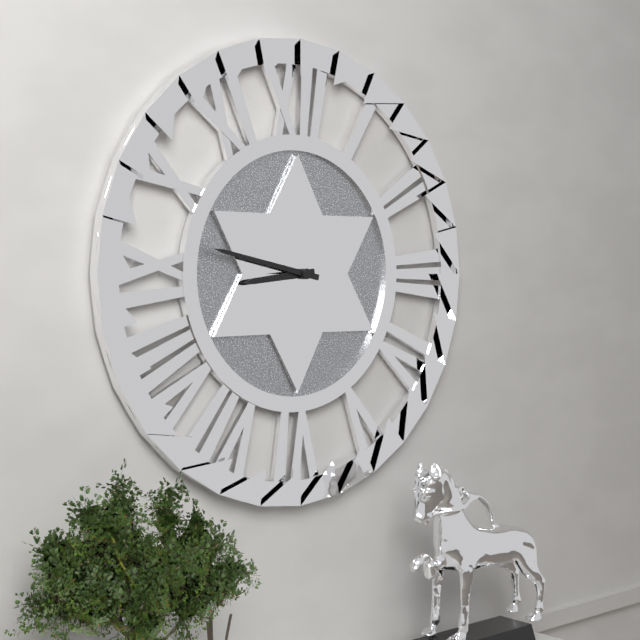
8:47
